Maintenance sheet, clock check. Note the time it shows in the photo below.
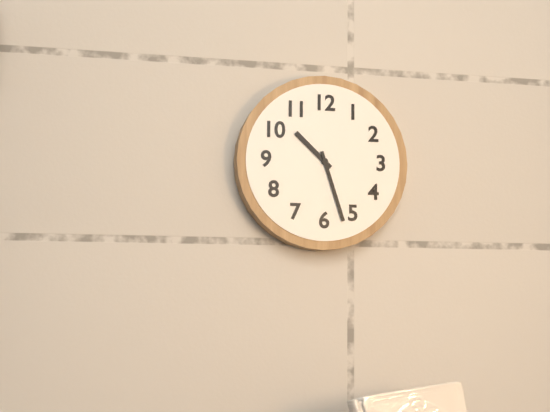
10:27
